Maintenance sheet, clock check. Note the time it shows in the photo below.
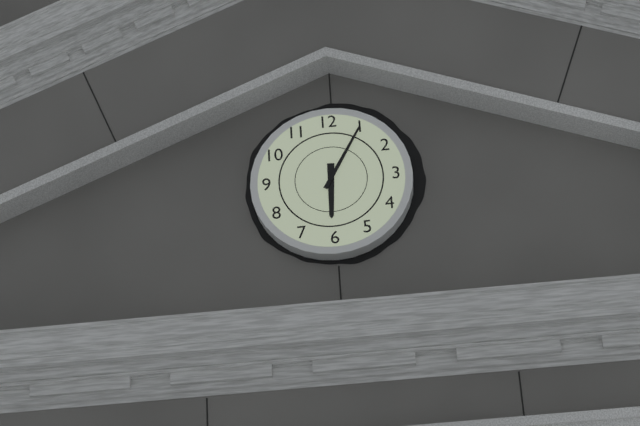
6:05
